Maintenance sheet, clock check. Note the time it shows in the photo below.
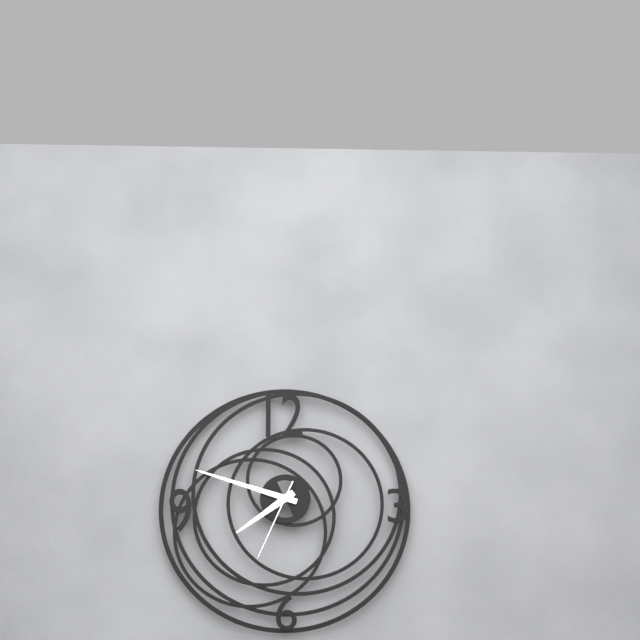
7:48:34
